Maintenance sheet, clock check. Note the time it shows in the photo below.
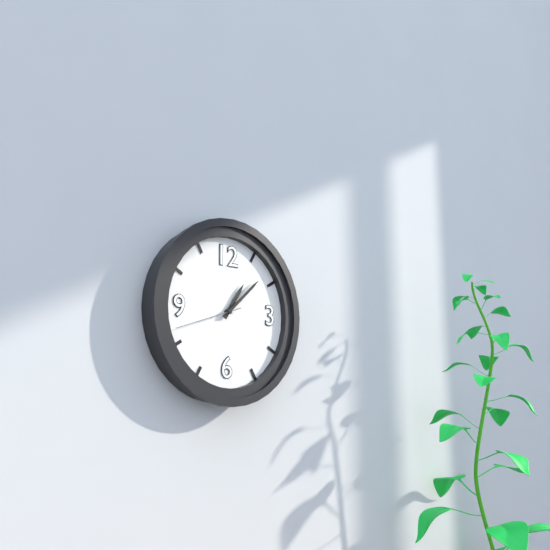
1:08:42
